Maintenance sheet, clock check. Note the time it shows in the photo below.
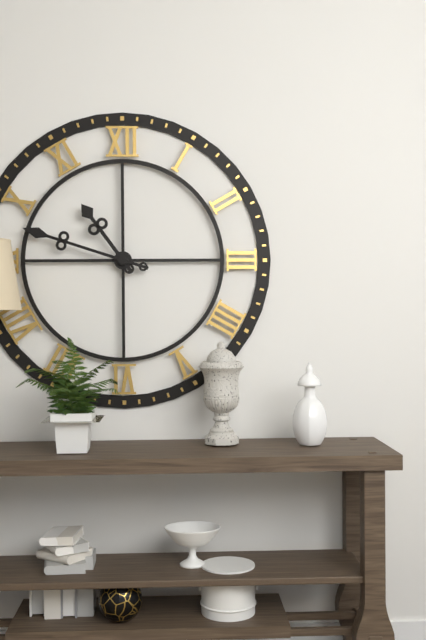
10:48
